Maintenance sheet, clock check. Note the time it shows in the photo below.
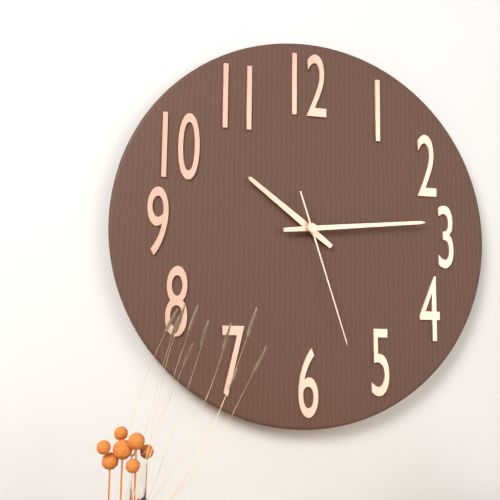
10:14:27
